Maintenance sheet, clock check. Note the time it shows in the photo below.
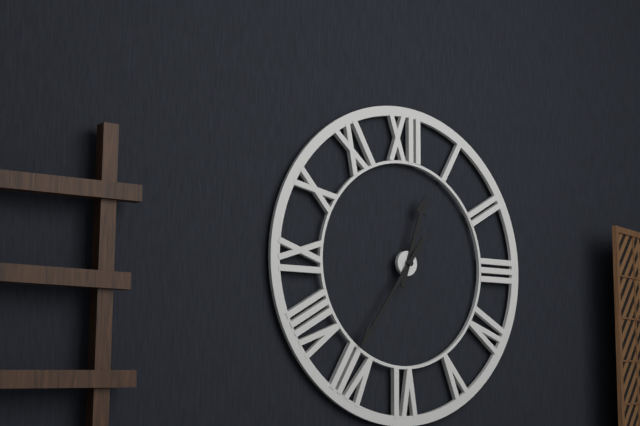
12:36
